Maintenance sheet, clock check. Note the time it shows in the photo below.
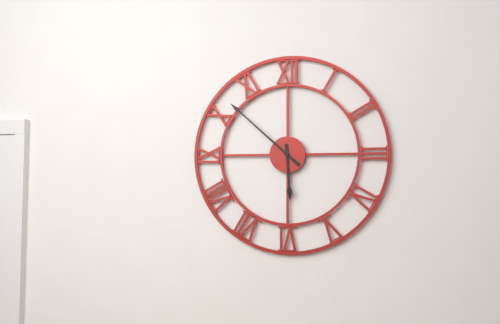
5:52
